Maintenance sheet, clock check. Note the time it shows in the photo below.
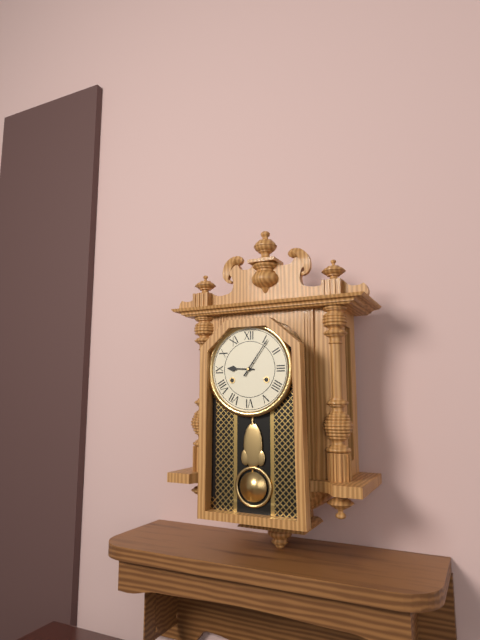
9:06
